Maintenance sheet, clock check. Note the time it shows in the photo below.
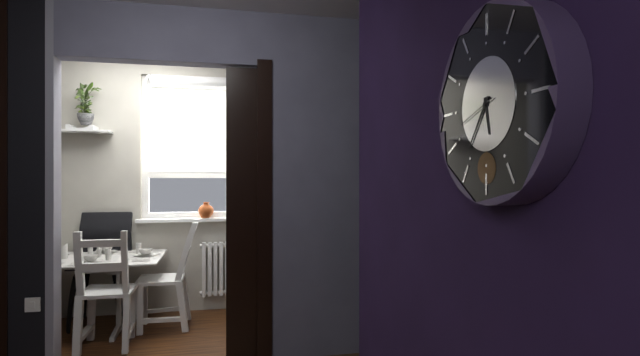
5:36:42
